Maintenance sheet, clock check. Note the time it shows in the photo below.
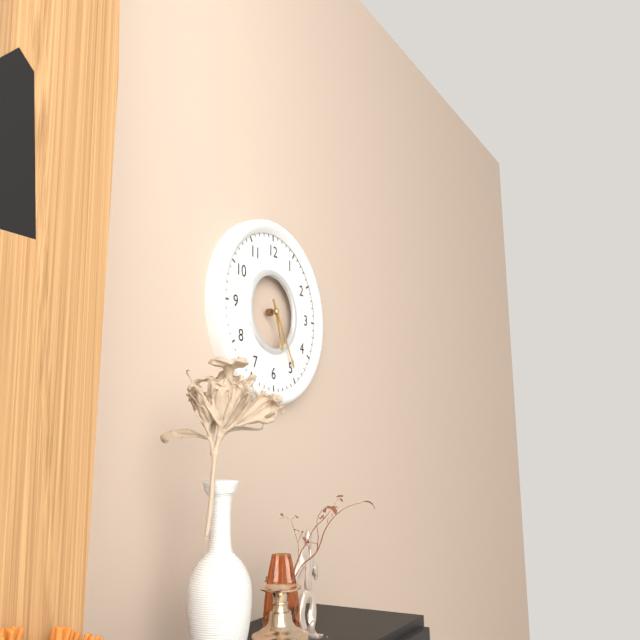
5:25
